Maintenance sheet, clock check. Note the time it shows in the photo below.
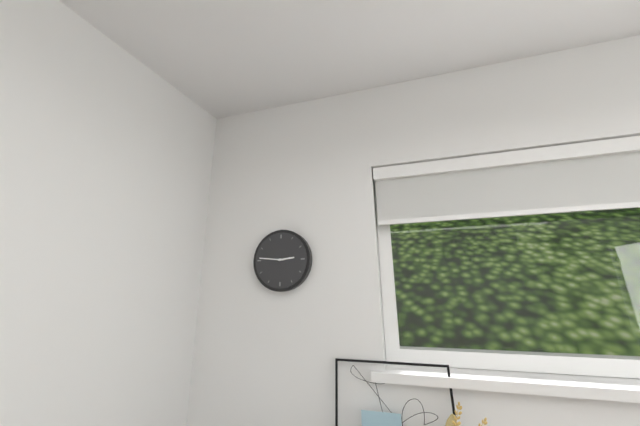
2:46
